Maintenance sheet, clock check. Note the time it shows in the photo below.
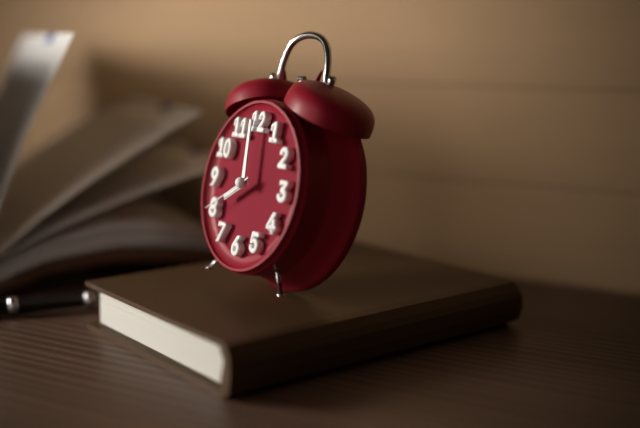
7:59:40
